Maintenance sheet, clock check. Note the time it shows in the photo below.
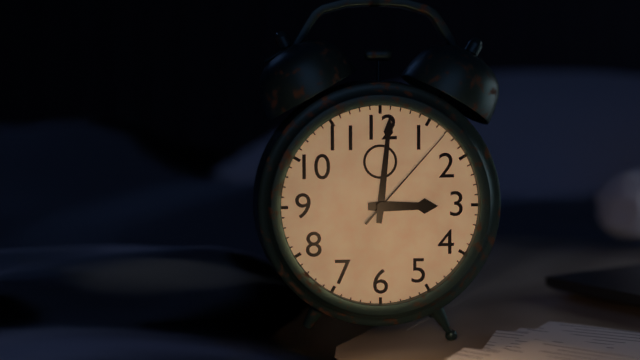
3:01:07
